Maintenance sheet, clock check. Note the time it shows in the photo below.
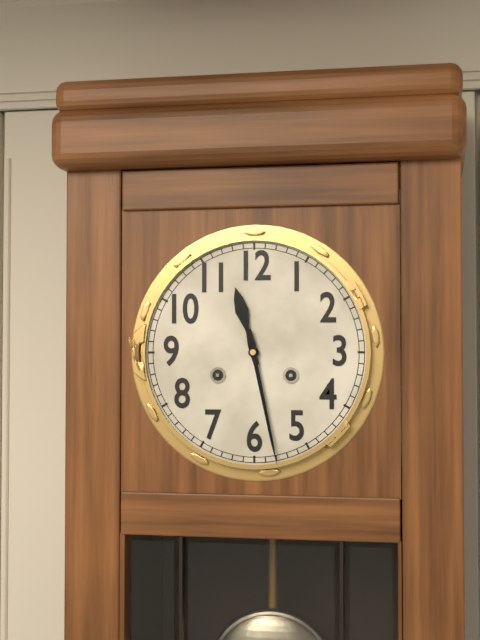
11:28
